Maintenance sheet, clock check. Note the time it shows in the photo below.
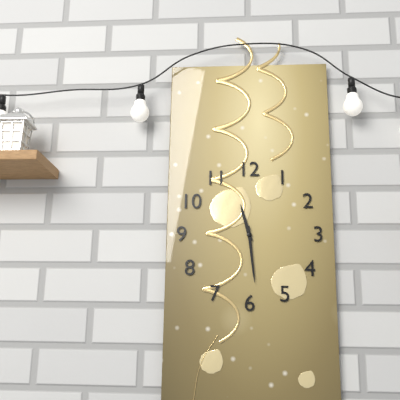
11:29
